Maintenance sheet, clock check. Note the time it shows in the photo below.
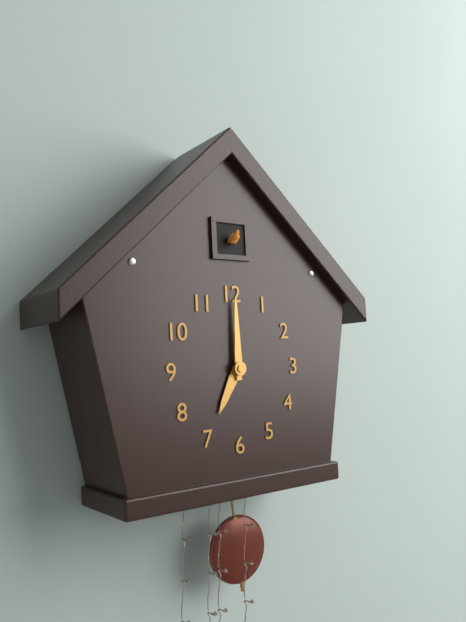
7:00
